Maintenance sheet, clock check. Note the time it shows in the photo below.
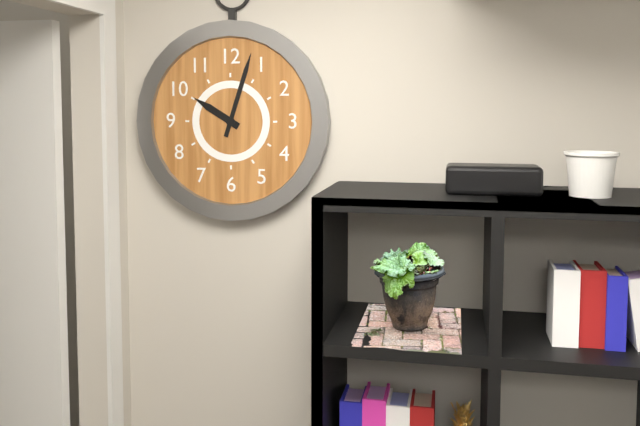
10:03
